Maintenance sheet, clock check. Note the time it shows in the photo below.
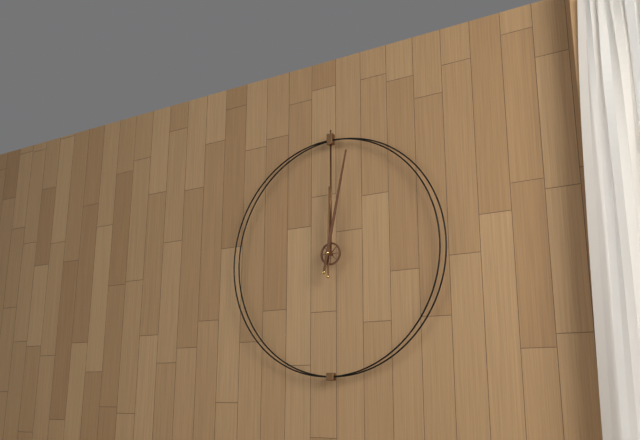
12:02
